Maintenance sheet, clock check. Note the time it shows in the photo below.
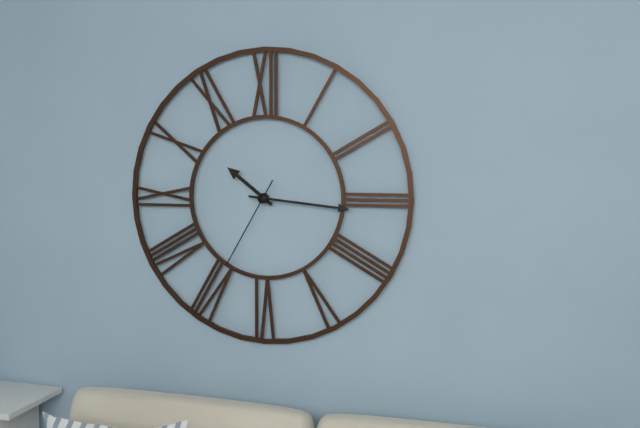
10:16:35
